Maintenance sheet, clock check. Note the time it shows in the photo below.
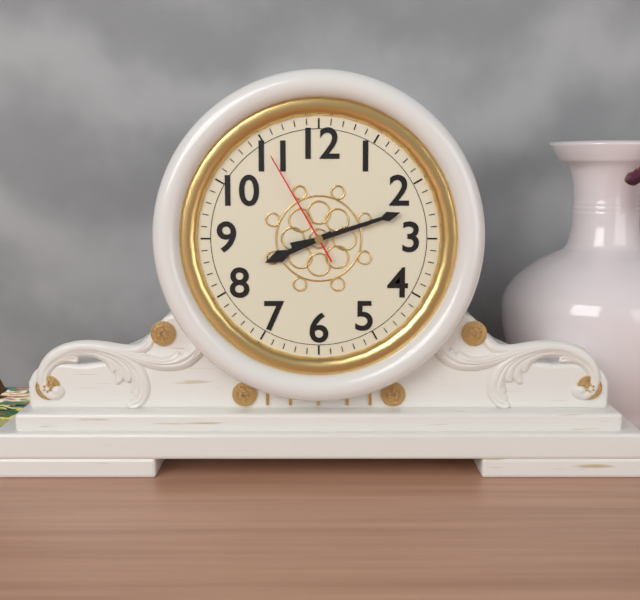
8:12:55
